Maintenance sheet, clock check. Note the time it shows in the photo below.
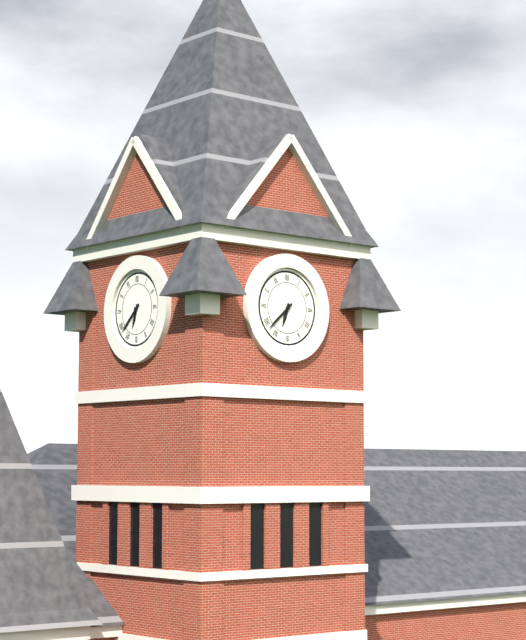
6:38
